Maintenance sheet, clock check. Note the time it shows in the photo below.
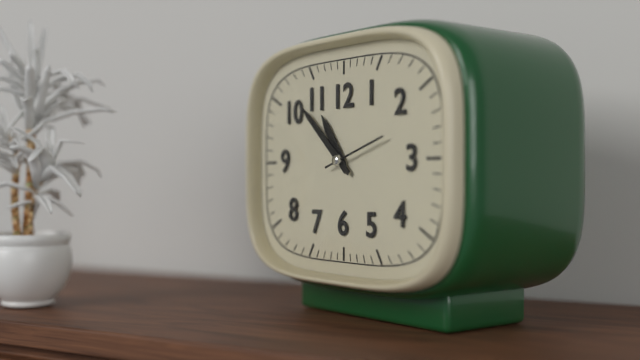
10:52:12
